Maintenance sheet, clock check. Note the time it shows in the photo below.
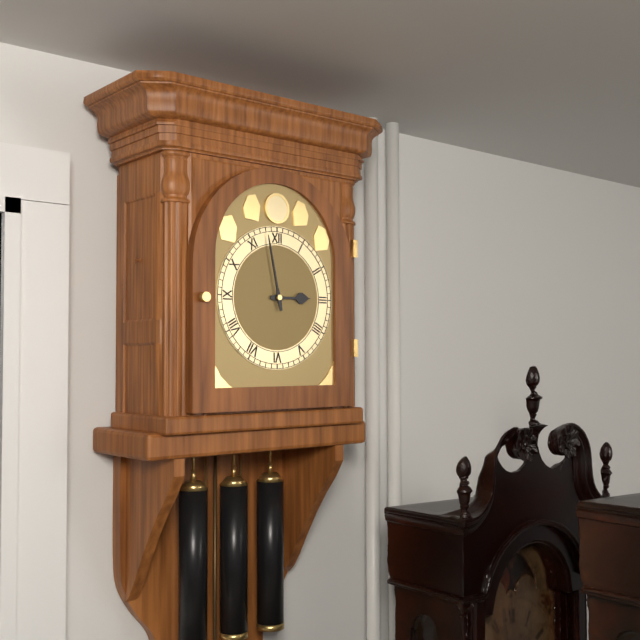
2:58
